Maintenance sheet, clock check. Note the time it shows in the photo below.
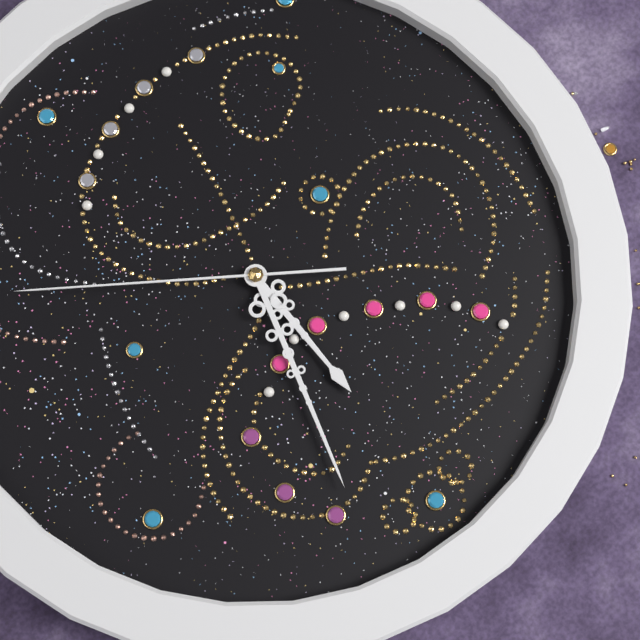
12:03:21
